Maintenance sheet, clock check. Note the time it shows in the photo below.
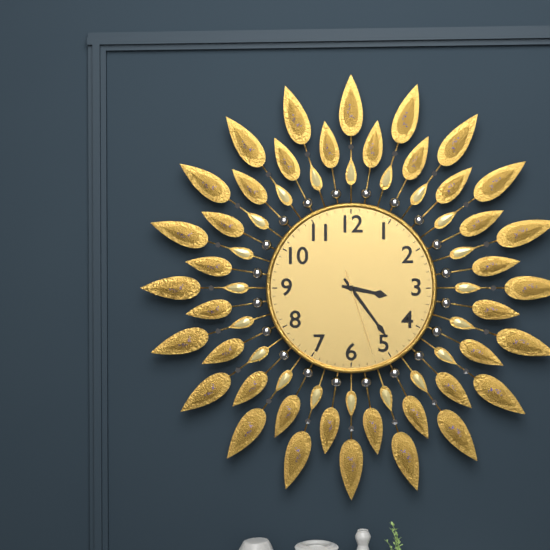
3:24:27
